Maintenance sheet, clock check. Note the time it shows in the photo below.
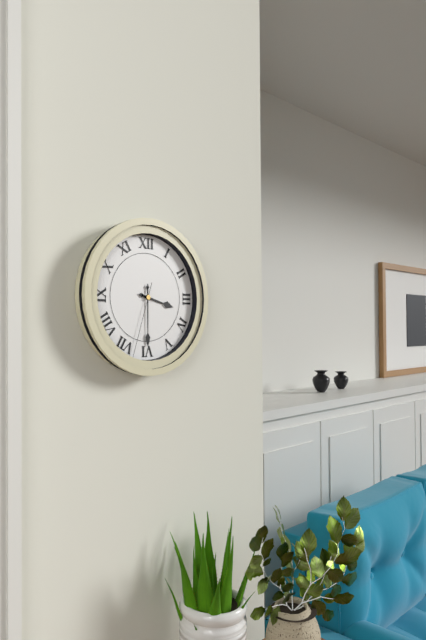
3:30:33
